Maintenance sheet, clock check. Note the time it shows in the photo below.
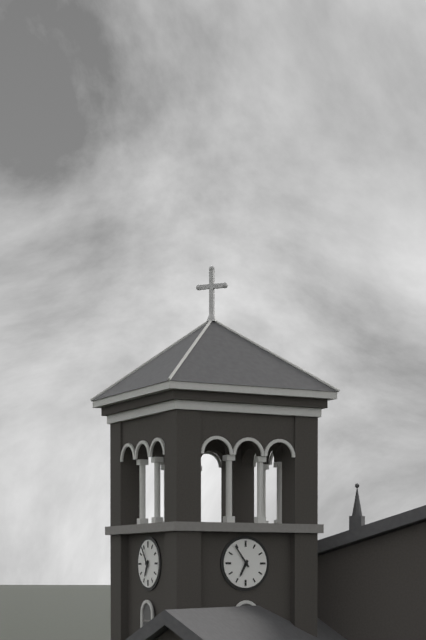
6:54
